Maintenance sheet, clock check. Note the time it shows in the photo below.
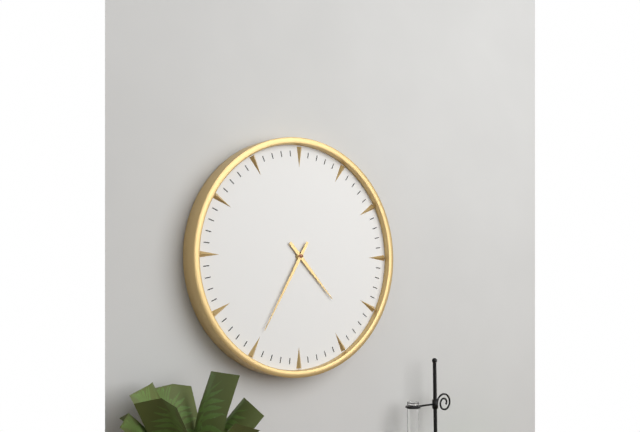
4:35
